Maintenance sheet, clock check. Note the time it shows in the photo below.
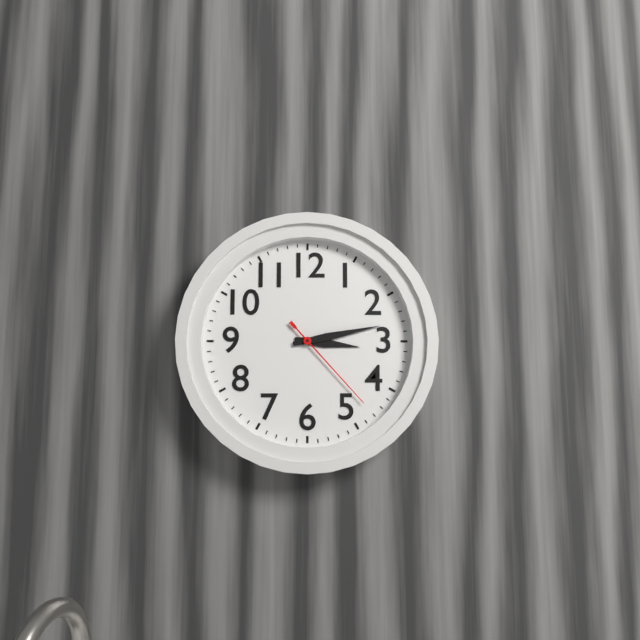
3:13:23
